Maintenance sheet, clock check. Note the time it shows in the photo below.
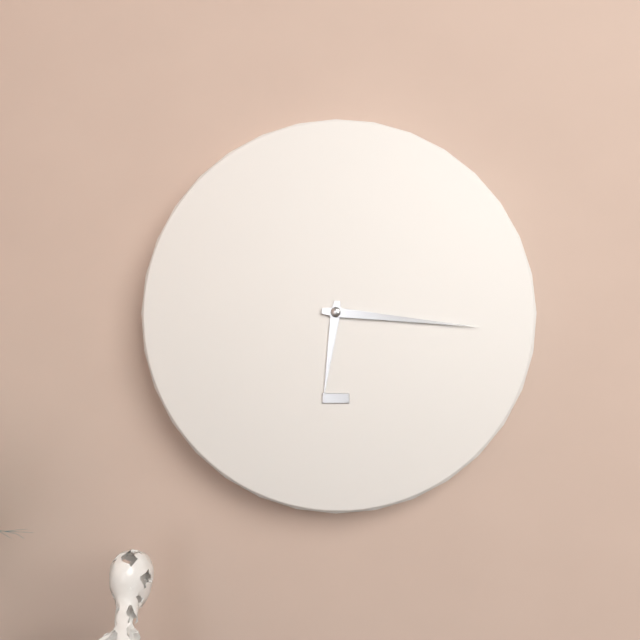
6:16
